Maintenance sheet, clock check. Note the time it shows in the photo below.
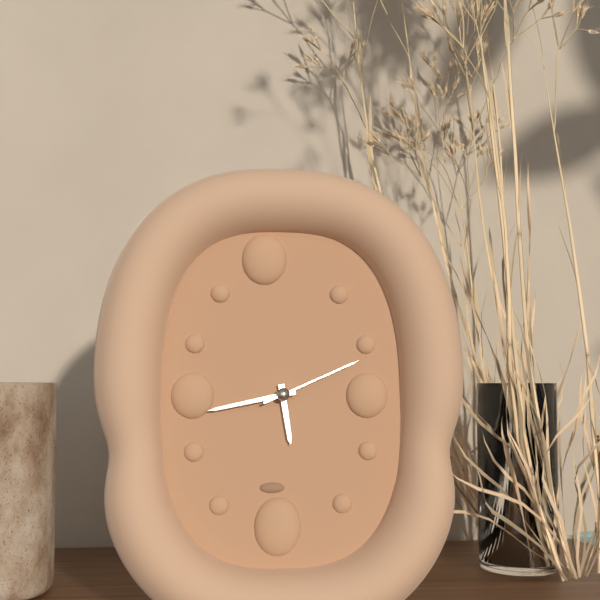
5:43:11
